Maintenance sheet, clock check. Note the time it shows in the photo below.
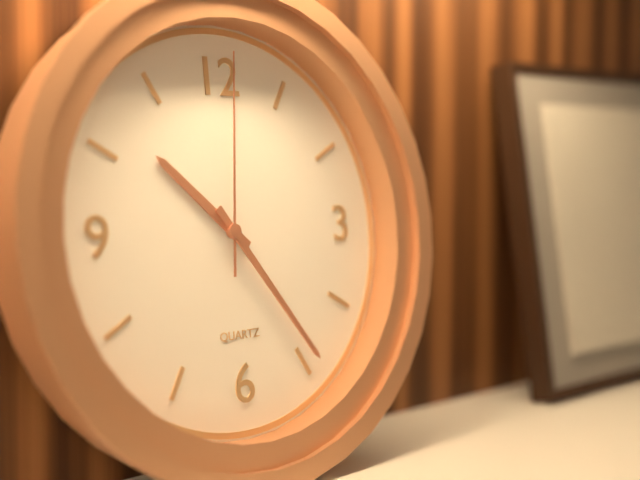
10:24:01
